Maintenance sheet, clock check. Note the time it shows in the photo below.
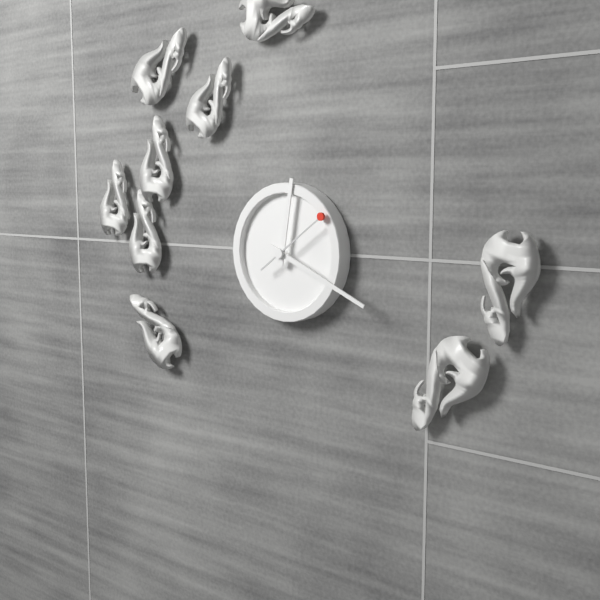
12:19:09
